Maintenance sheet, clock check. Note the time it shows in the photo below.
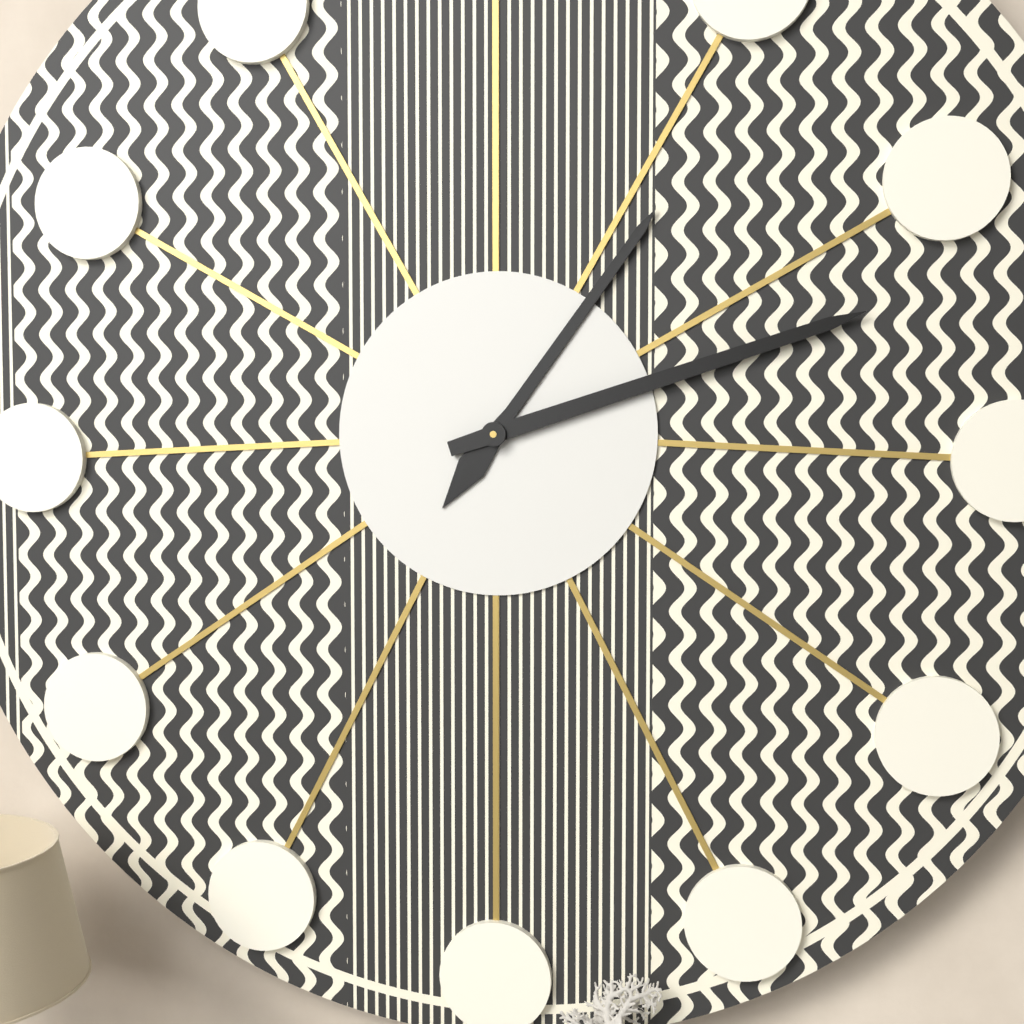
1:12
